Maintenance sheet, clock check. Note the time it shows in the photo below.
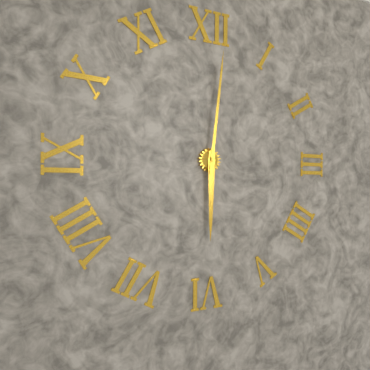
6:01
